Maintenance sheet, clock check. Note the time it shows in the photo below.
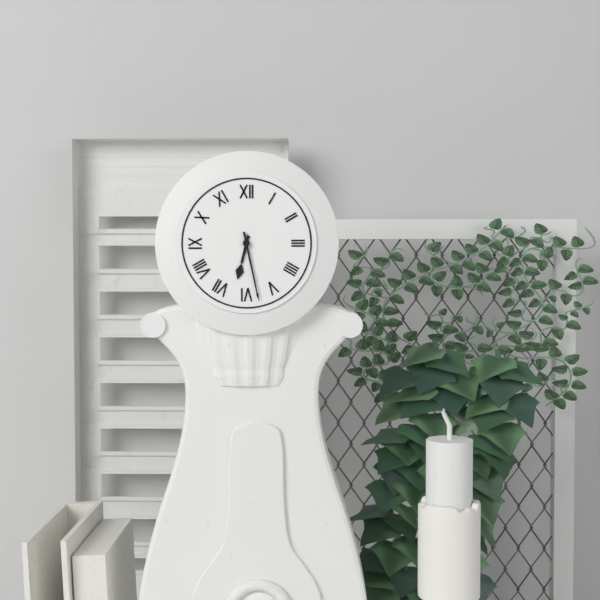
6:28
